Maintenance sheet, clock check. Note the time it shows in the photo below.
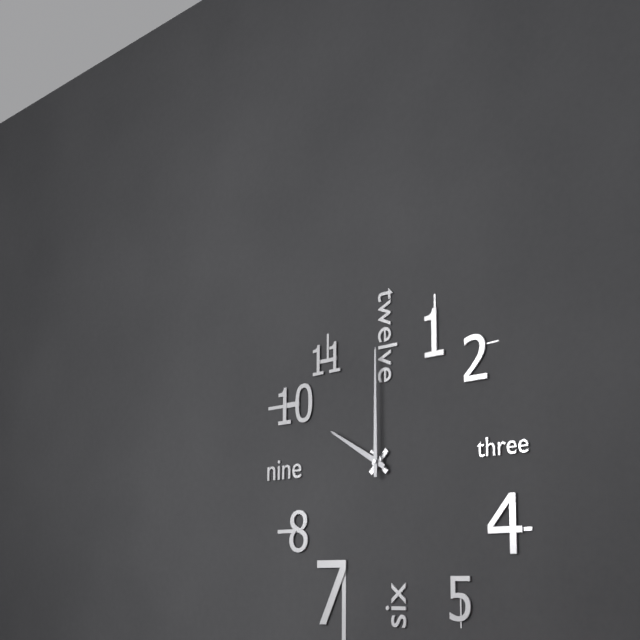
10:00
